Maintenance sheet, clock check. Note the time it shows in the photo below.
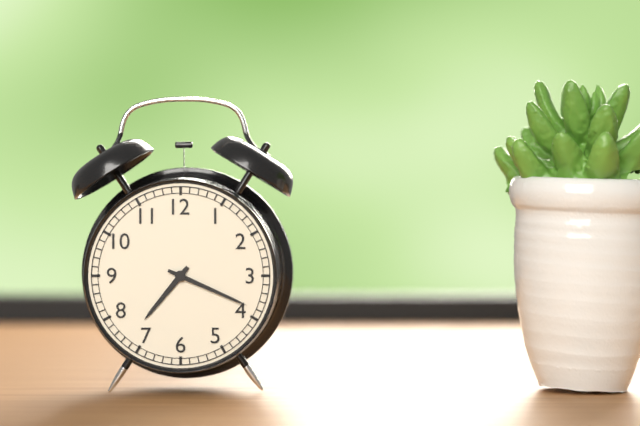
7:19
